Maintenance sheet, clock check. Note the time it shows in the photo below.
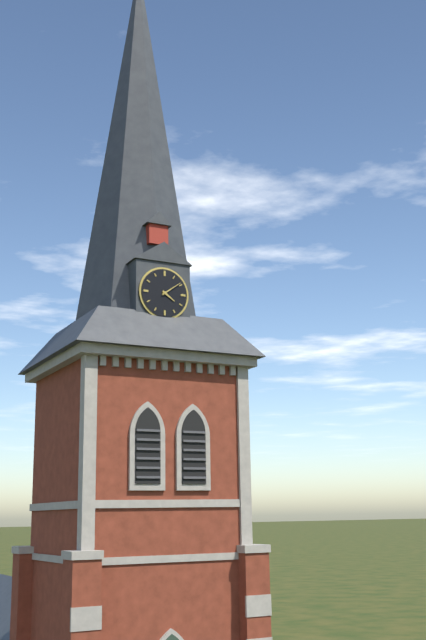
4:09
